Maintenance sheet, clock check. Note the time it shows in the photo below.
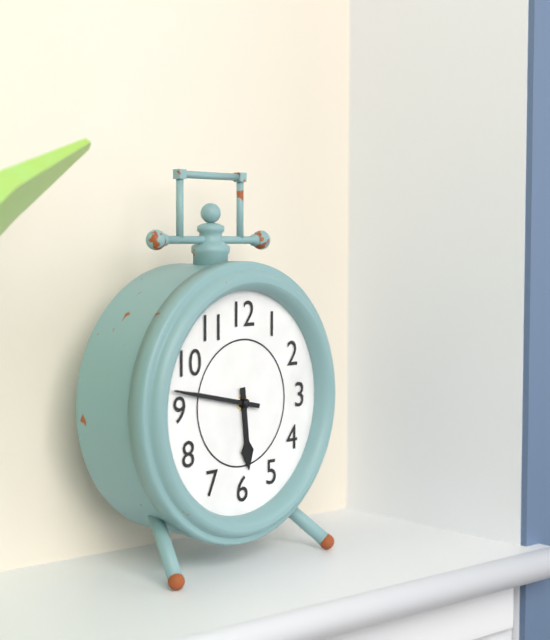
5:47
